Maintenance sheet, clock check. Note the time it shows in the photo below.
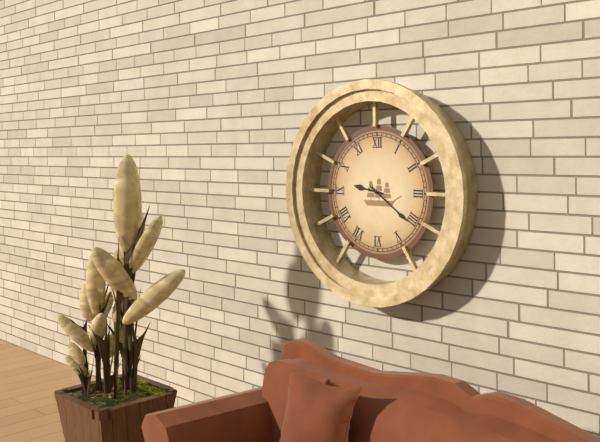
9:21
